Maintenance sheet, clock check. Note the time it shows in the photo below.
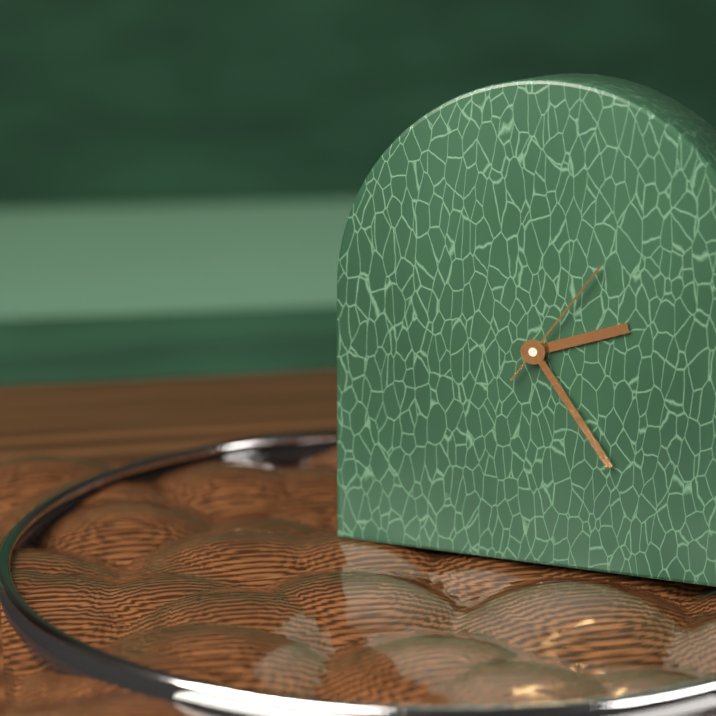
2:24:06
